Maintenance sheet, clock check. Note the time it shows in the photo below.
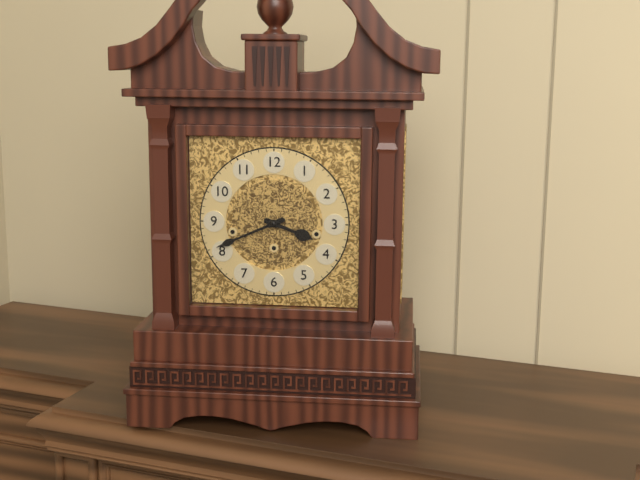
3:41
